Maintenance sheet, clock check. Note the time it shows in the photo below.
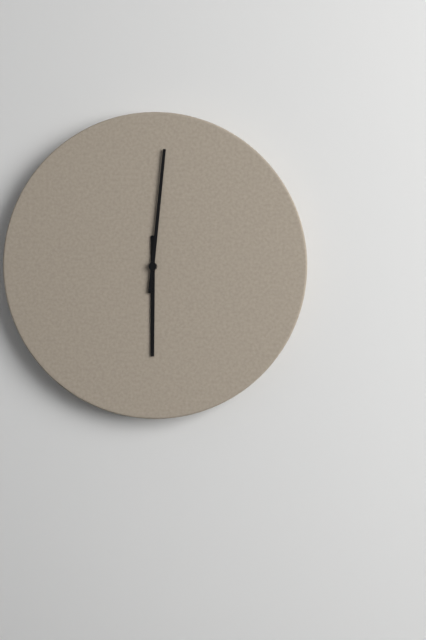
6:01
